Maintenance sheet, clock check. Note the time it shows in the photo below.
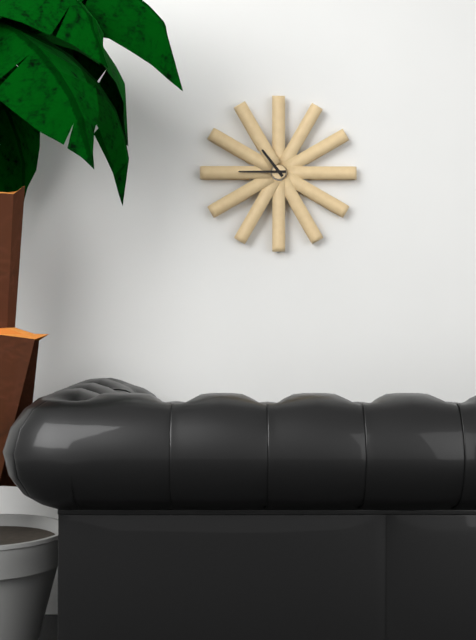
10:45
